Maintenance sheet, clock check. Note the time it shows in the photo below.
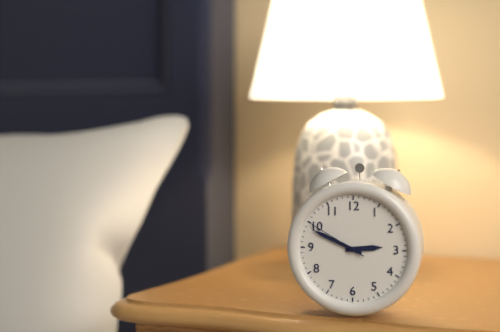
2:49:50
